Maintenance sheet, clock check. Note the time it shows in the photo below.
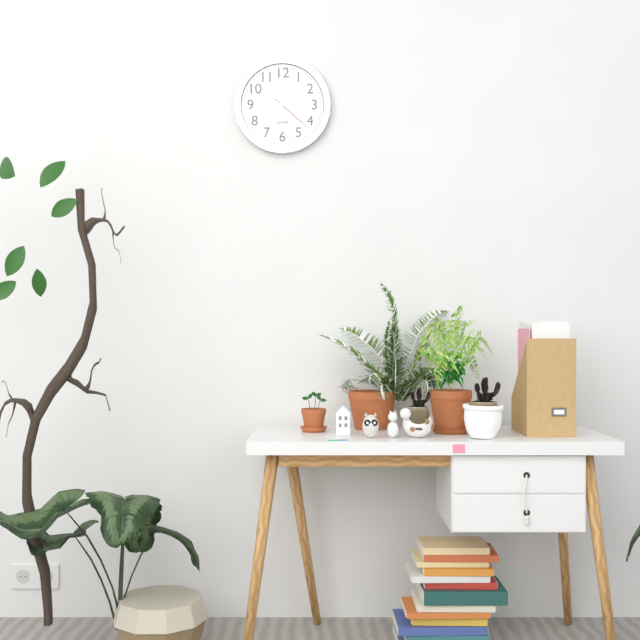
9:53
